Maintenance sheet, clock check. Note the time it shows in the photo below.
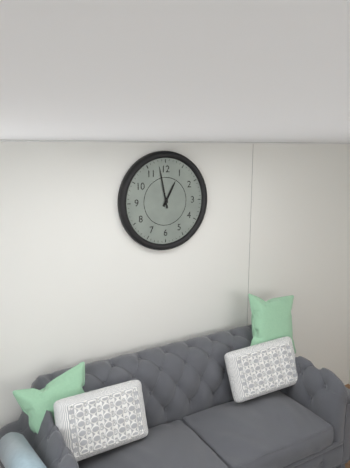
12:58
